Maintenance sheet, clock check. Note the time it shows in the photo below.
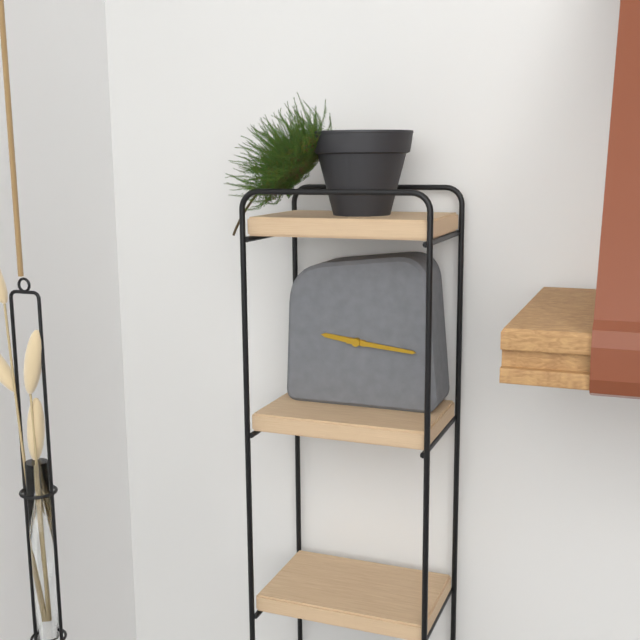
9:16
